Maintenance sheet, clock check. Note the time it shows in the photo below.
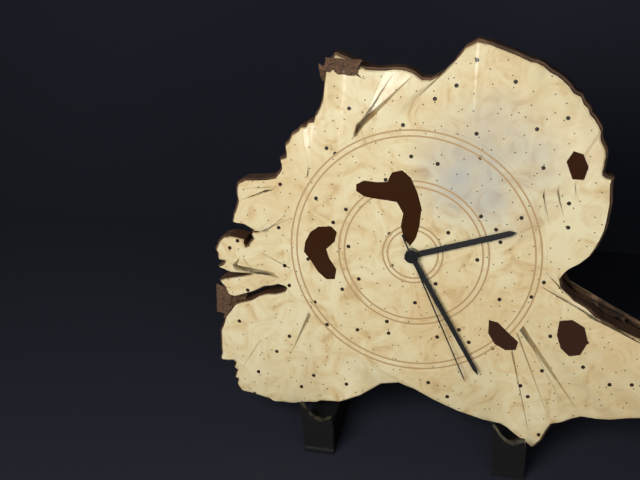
2:25:26
